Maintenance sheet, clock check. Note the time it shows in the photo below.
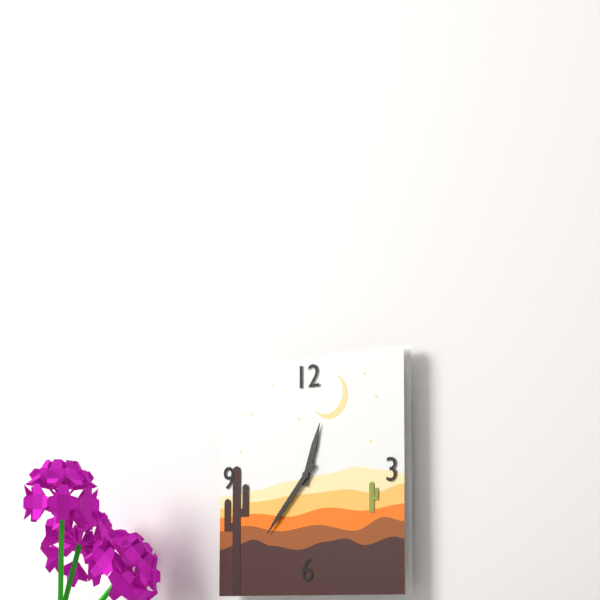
12:37
